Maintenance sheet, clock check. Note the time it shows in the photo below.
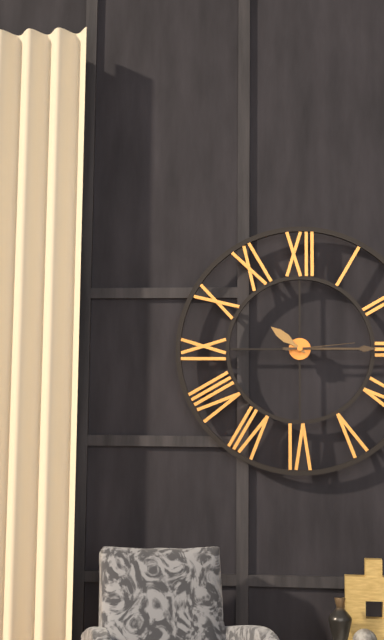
10:15:14
